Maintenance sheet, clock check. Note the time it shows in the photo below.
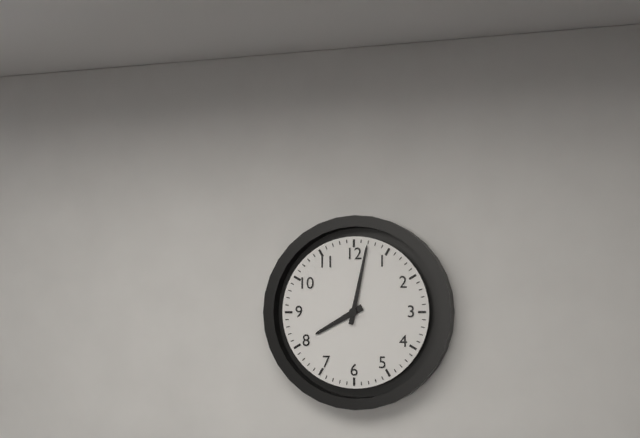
8:02
